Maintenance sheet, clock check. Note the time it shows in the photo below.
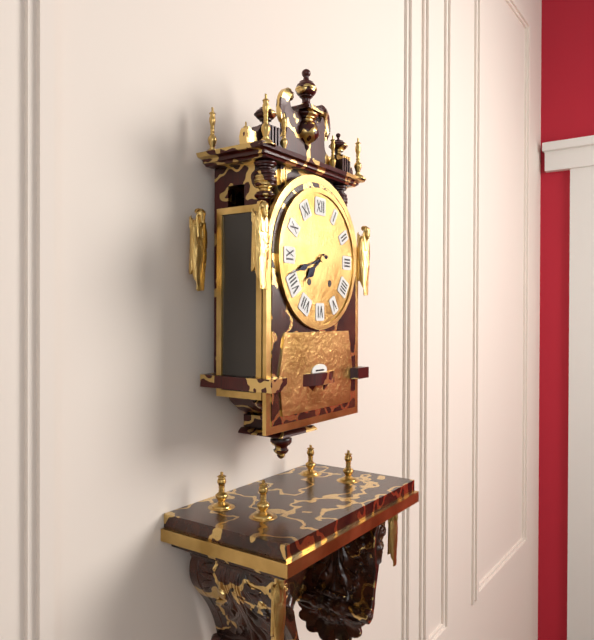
7:42
